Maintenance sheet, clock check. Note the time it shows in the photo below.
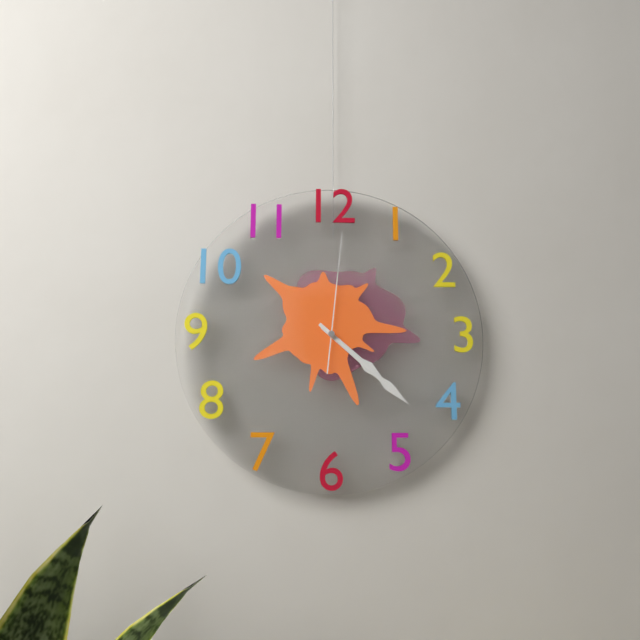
4:22:01
